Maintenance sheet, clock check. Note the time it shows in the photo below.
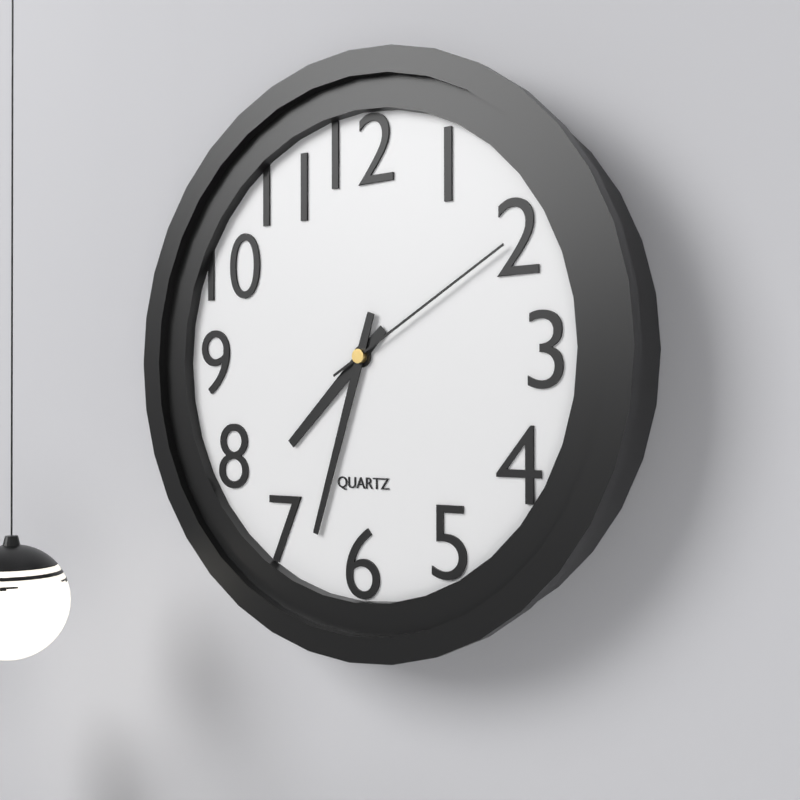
7:33:10
